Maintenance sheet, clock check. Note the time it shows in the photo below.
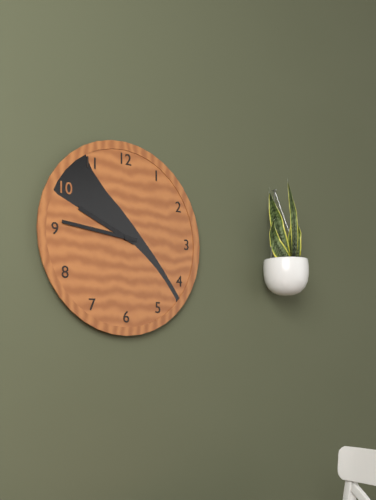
9:46
